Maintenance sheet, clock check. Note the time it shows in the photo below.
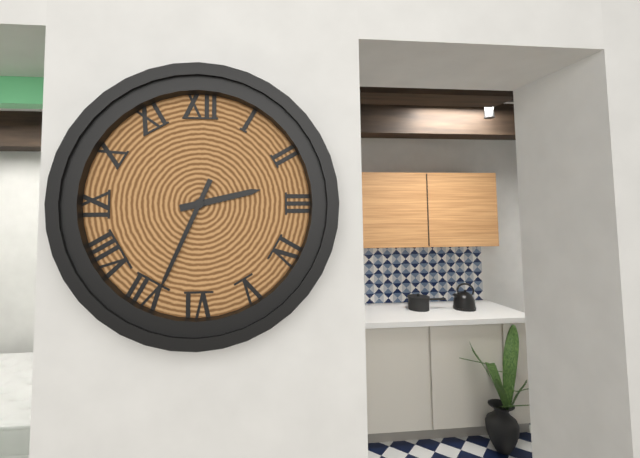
2:34
